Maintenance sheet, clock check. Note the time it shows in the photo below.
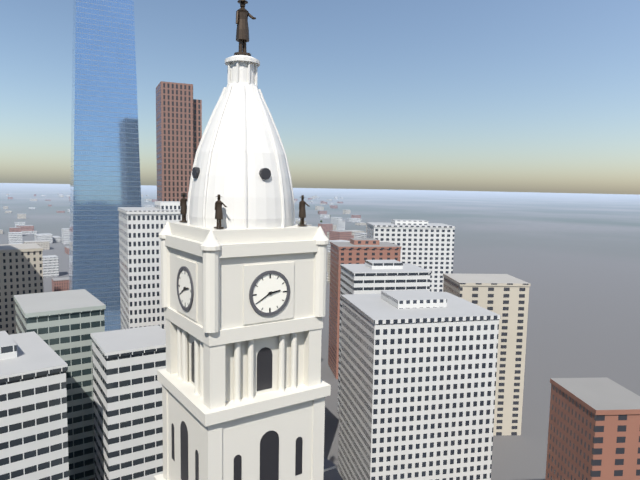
2:40
